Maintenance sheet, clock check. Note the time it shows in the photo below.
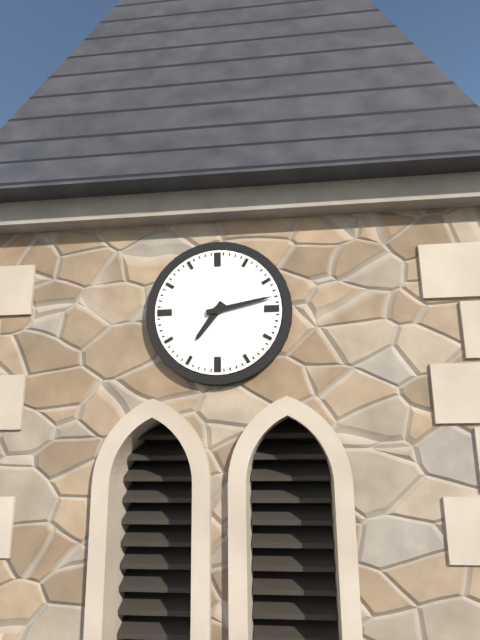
7:13
